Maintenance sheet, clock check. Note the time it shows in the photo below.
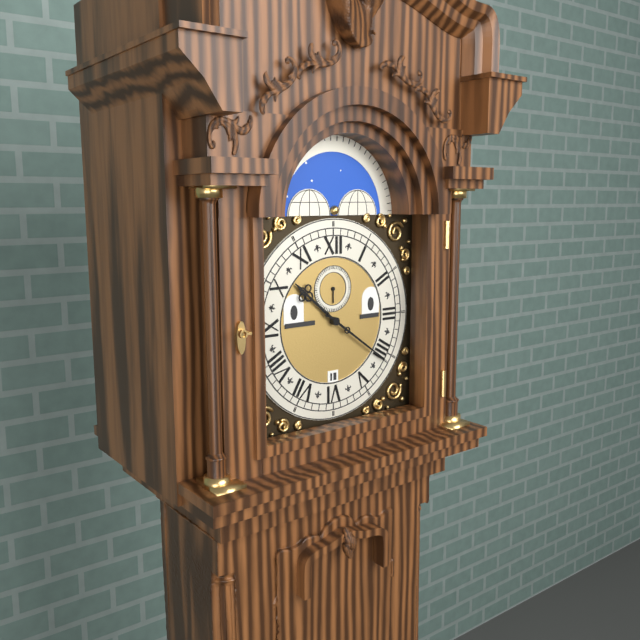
10:21
